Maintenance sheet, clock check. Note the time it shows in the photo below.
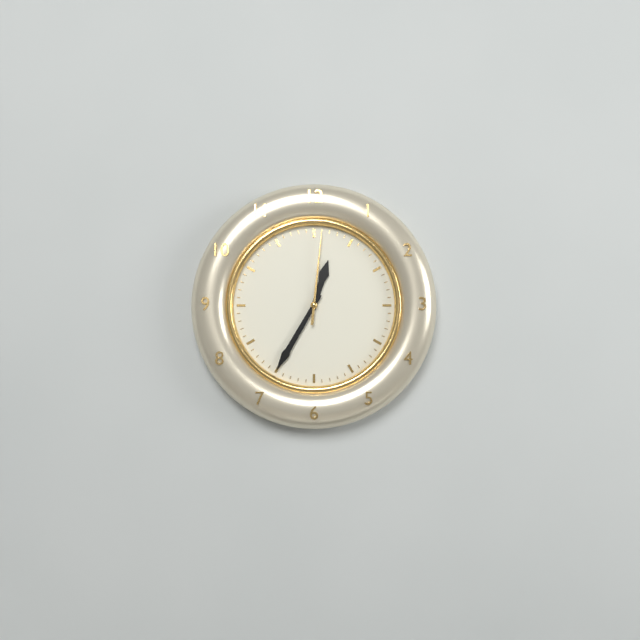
12:35:01
